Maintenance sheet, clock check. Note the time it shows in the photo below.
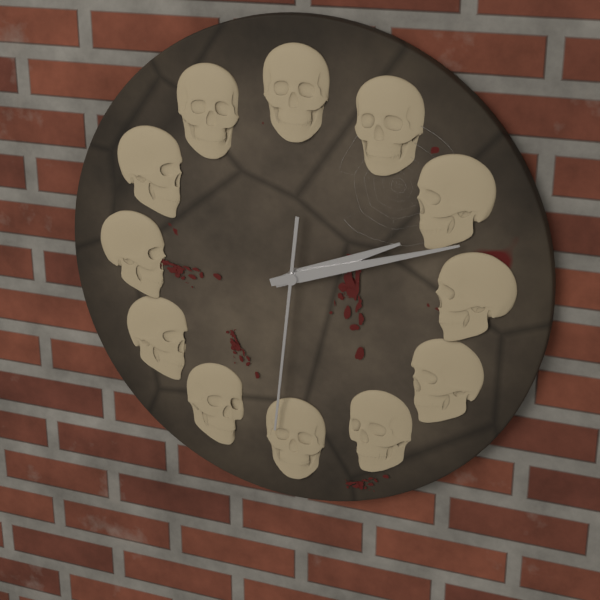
2:12:31
